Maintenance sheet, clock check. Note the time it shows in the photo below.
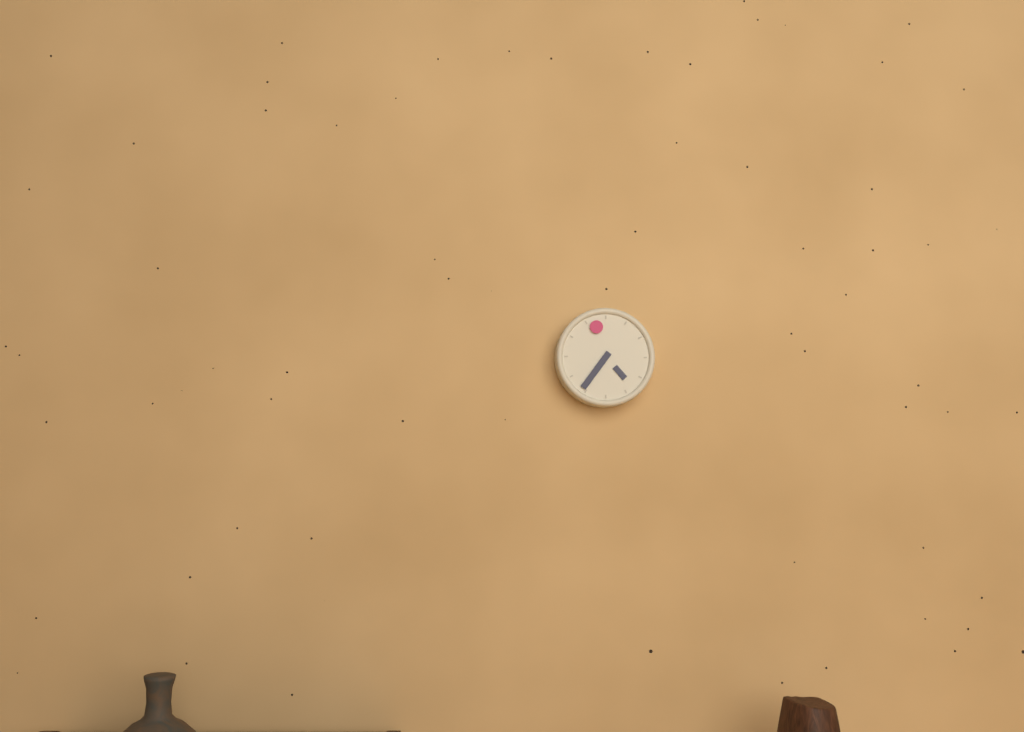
4:36
